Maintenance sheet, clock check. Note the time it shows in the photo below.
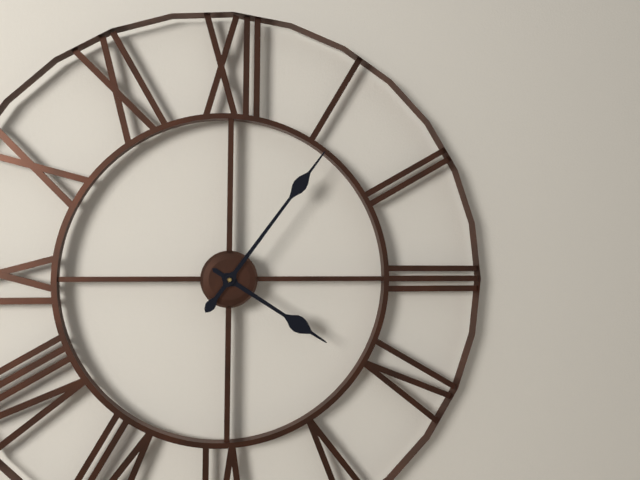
4:06
